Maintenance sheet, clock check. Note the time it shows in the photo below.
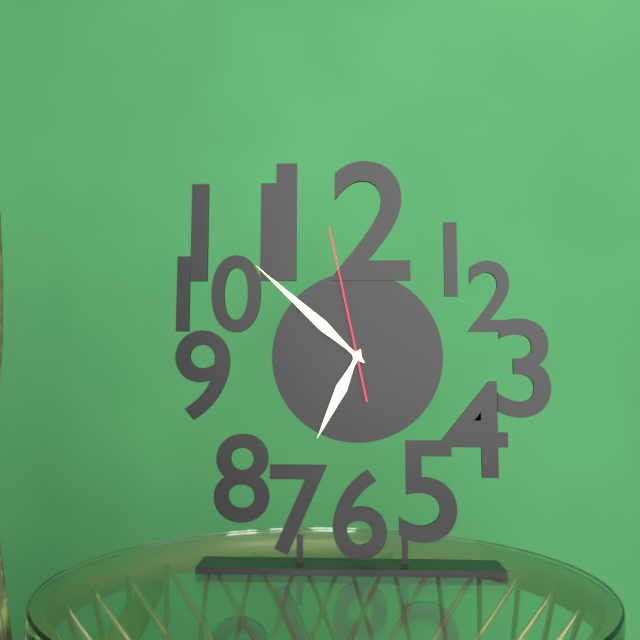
6:52:58
